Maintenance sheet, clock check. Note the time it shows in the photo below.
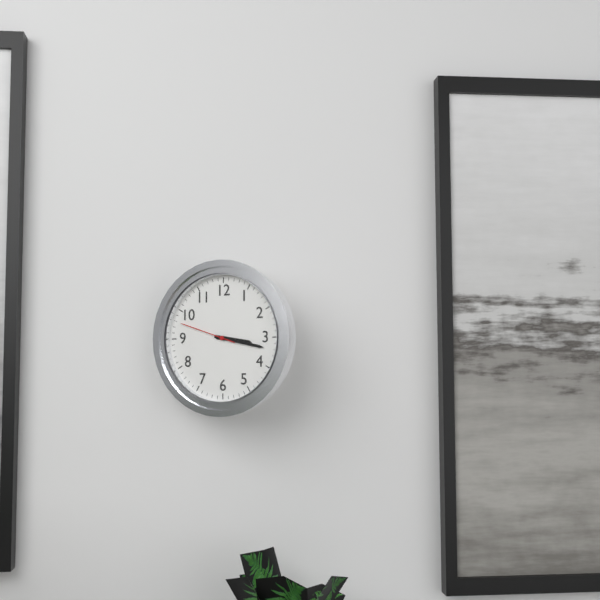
3:17:48
